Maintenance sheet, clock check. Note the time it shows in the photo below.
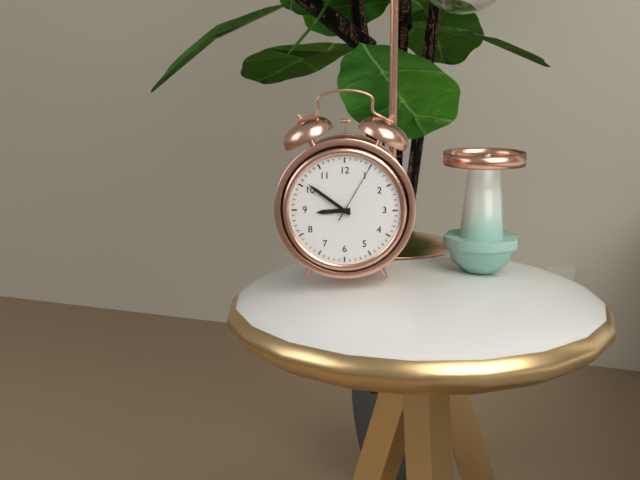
8:51:05
